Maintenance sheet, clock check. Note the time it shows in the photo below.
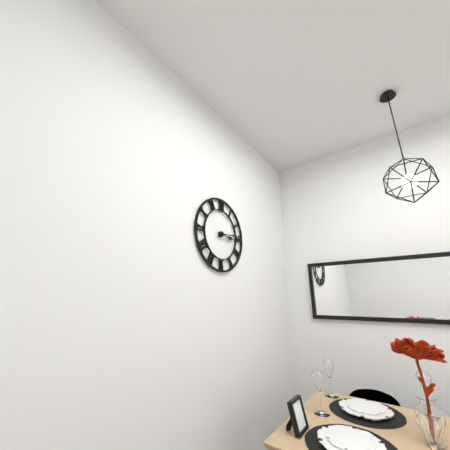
3:14
